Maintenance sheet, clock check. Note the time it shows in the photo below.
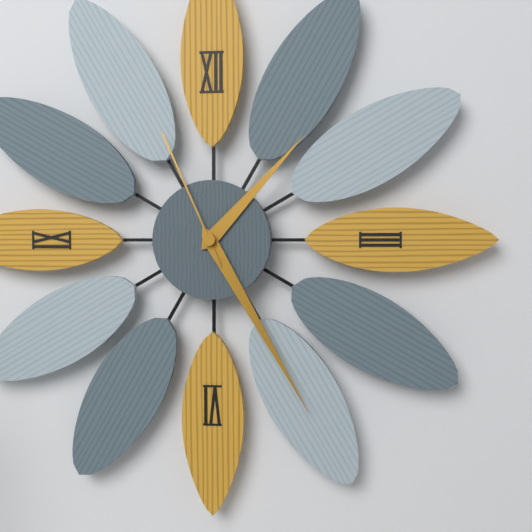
1:25:56
